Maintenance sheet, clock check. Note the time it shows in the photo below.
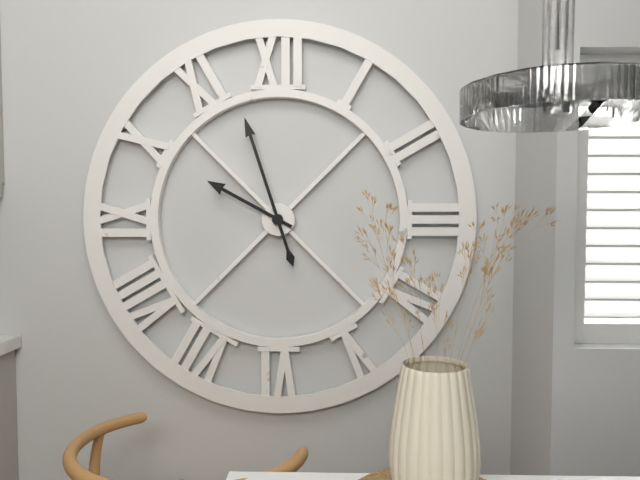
9:57
